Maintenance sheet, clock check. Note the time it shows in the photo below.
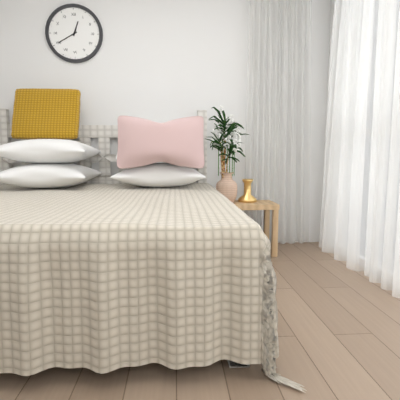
12:40
